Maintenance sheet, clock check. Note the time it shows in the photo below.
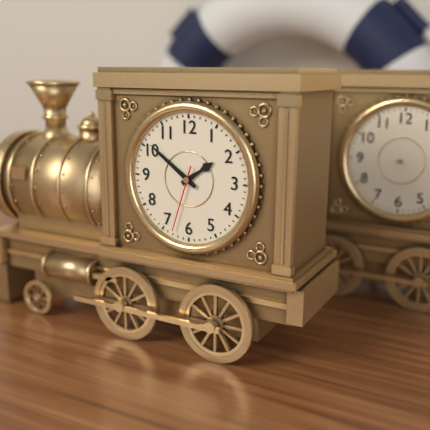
1:51:33
